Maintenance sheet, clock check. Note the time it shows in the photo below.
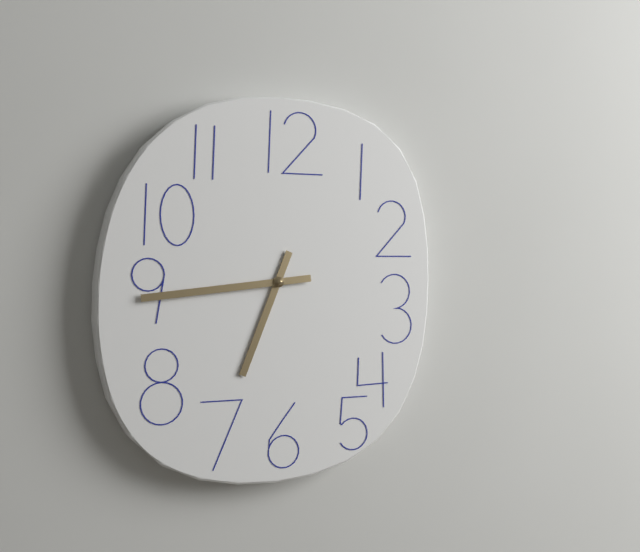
6:44
